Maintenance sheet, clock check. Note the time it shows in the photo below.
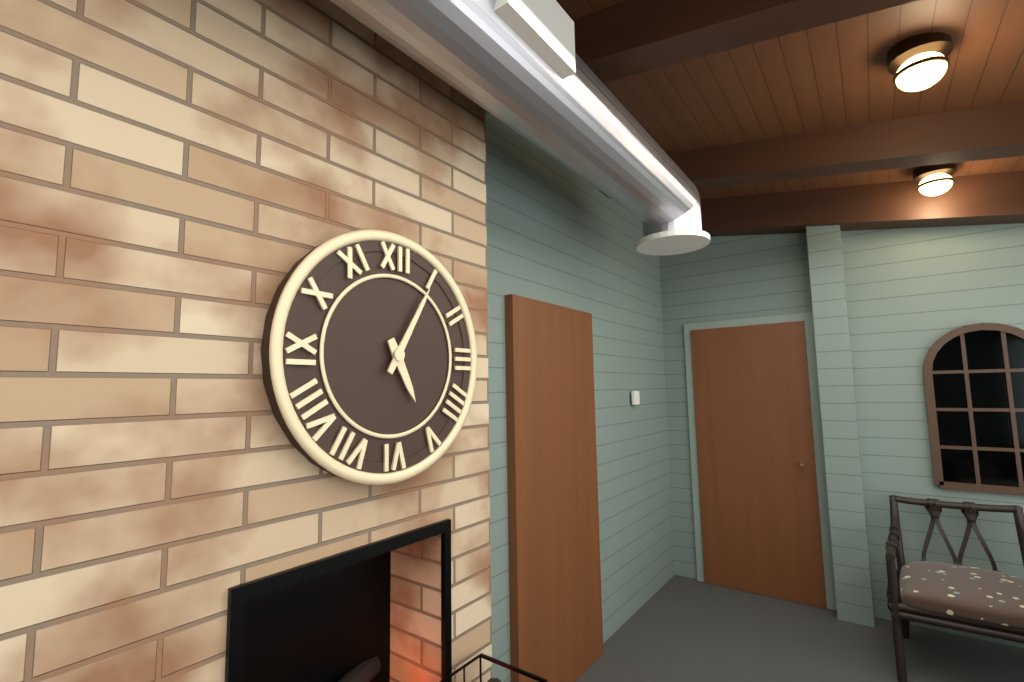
5:05
